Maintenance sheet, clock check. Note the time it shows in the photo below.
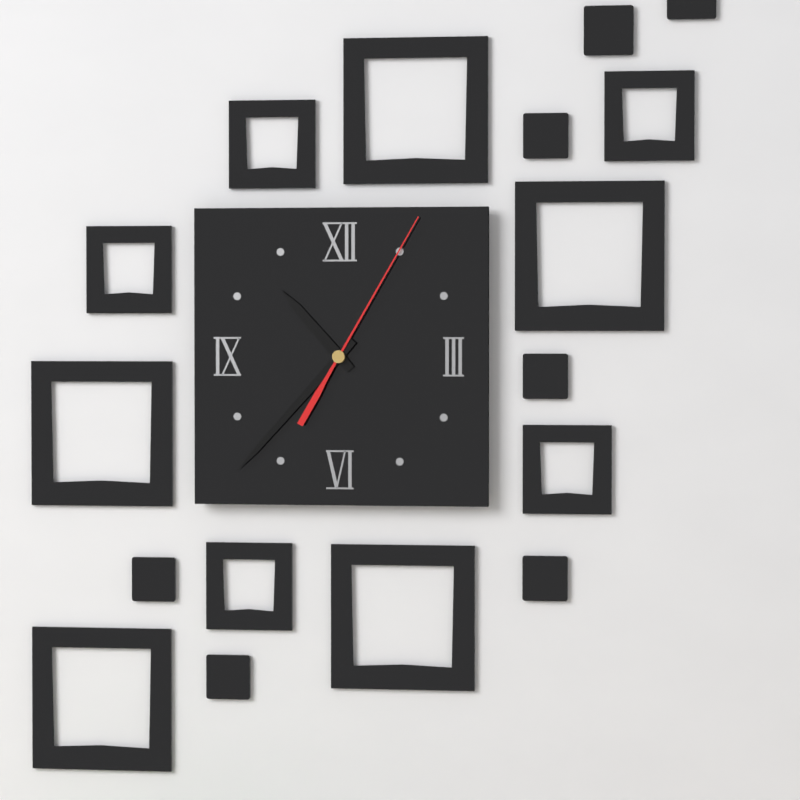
10:37:05
